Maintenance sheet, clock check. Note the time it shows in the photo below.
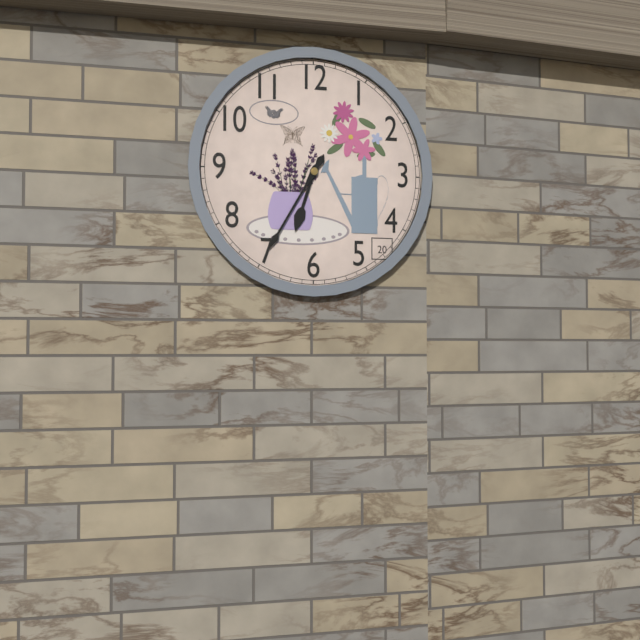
6:35
